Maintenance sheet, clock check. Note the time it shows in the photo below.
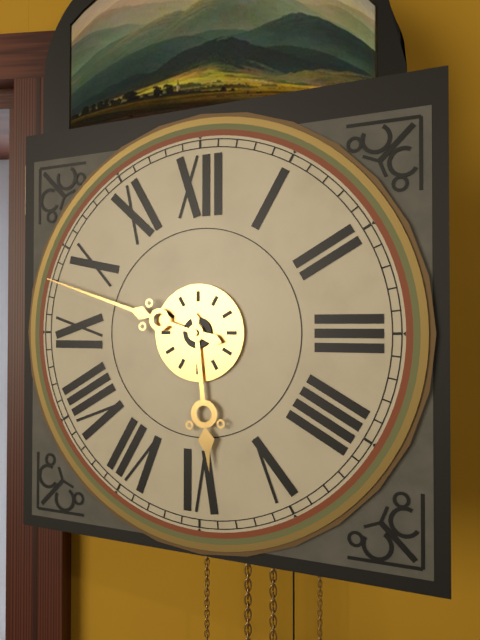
5:48
